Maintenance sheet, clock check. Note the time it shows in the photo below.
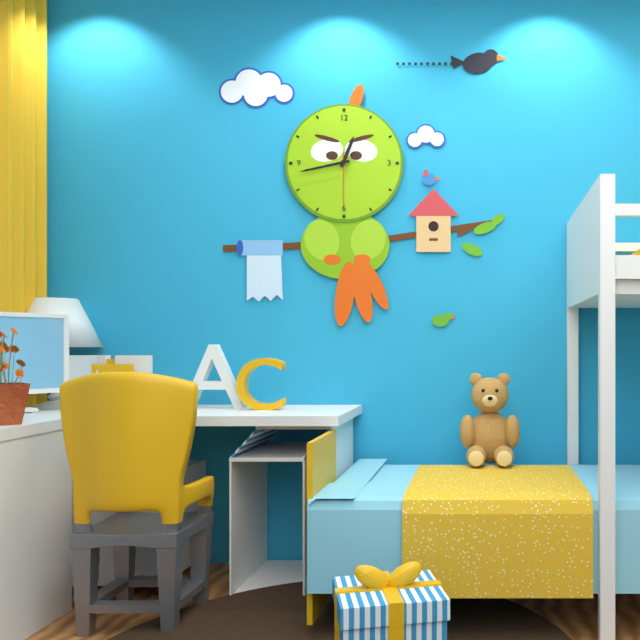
12:43:30
